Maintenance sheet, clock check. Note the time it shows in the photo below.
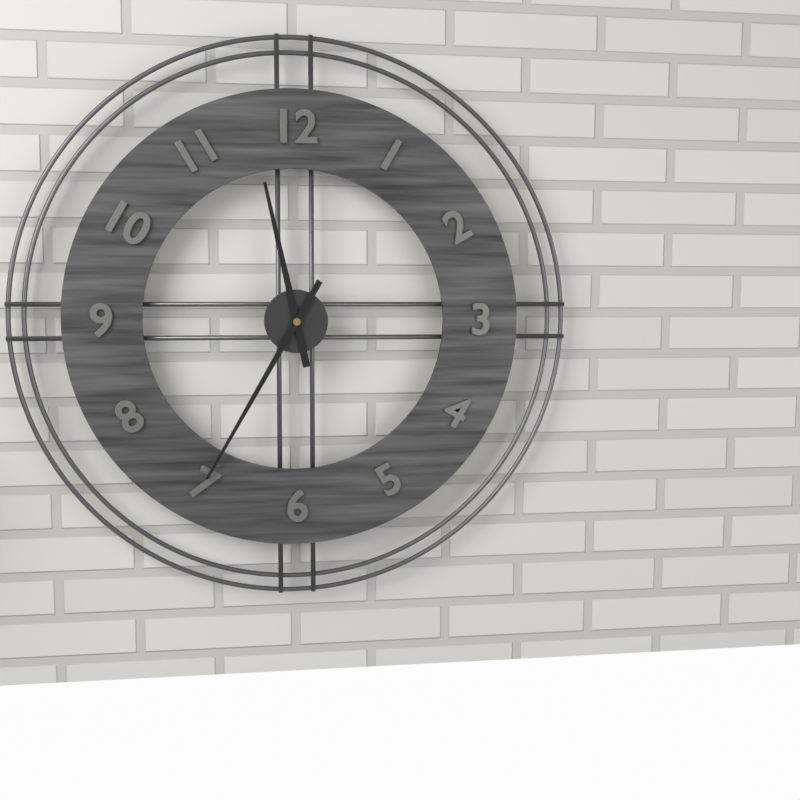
11:35
